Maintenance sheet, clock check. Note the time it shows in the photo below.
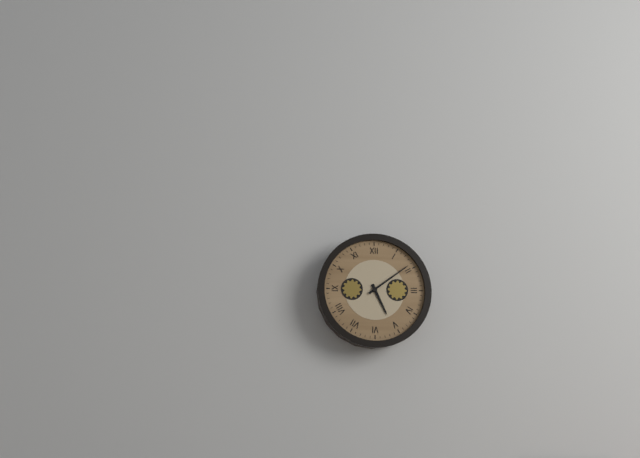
5:09
